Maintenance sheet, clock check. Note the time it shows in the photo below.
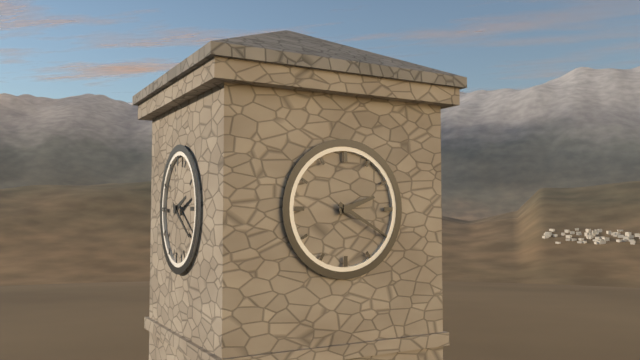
2:20
